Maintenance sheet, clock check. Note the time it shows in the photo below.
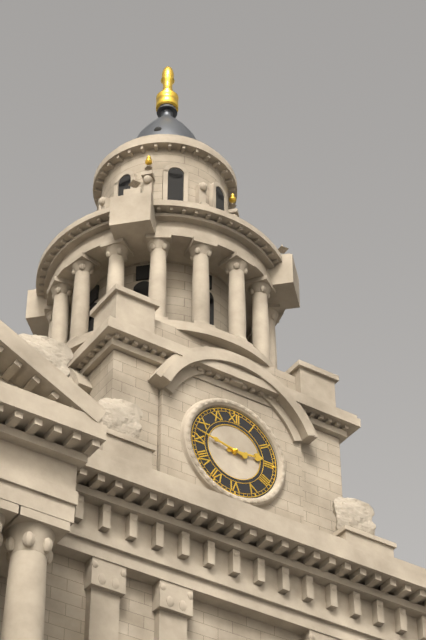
2:47
